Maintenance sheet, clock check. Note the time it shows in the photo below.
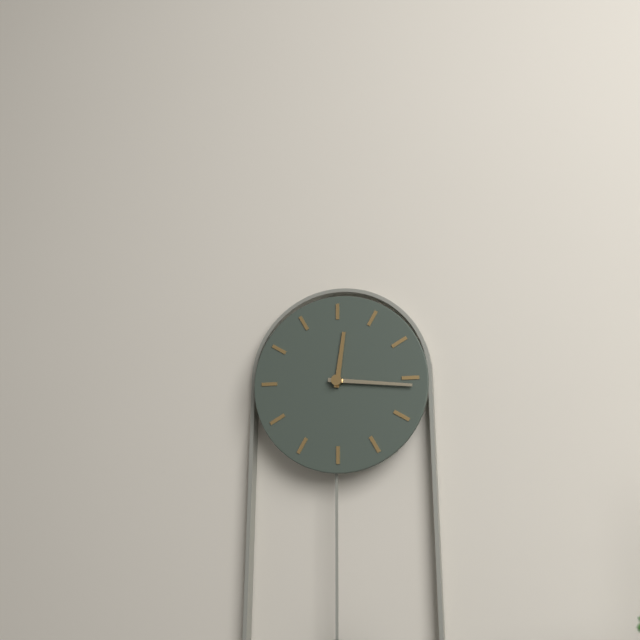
12:16
